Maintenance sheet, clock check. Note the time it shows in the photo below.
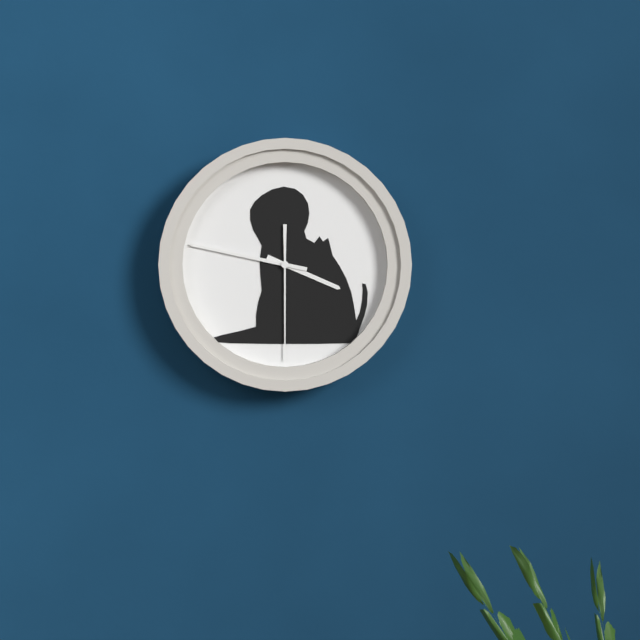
3:47:30
